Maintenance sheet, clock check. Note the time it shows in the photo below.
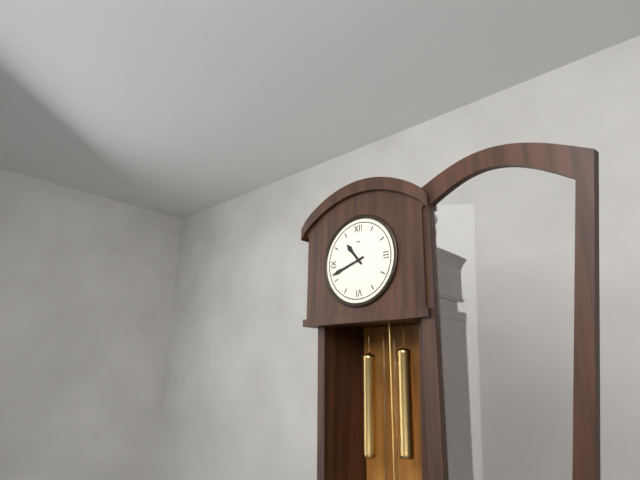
10:42
